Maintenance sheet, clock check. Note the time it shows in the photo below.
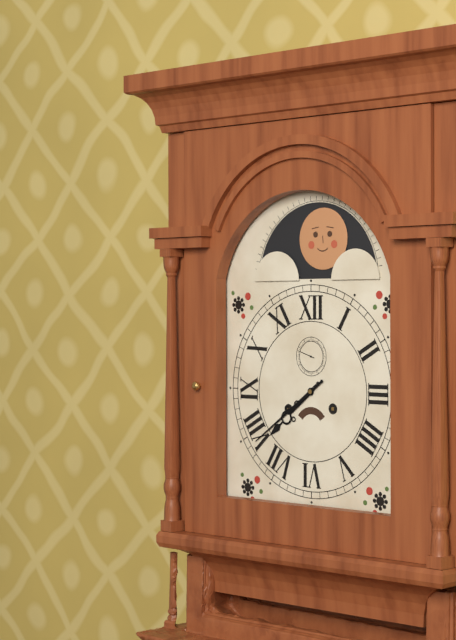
7:39
